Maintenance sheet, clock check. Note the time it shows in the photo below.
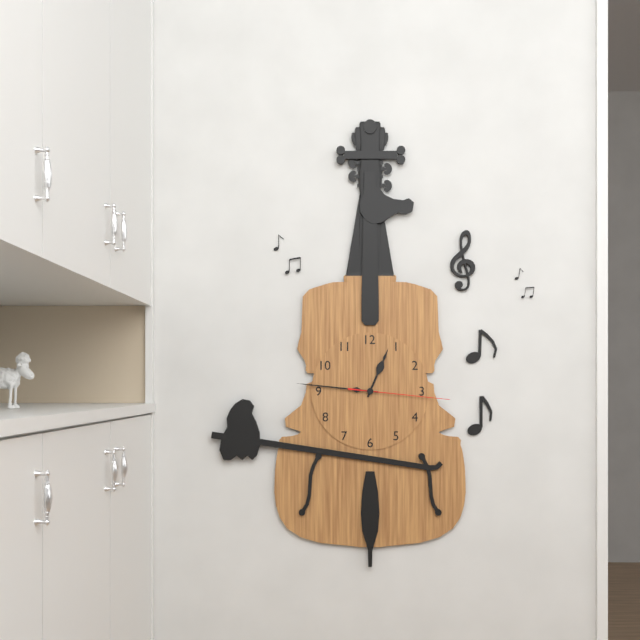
12:46:16
